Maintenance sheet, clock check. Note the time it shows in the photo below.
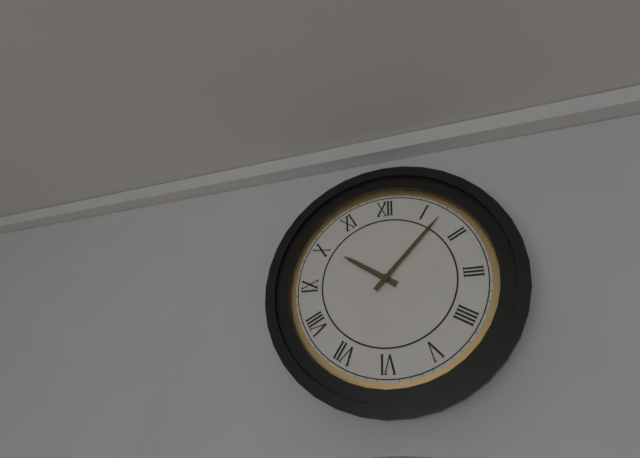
10:07
